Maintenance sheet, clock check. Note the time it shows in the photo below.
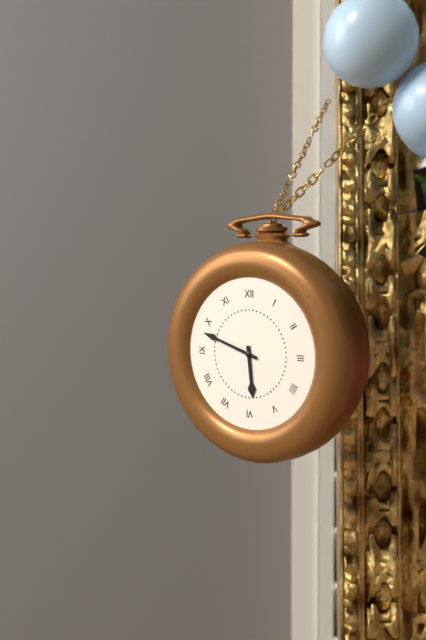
5:48
